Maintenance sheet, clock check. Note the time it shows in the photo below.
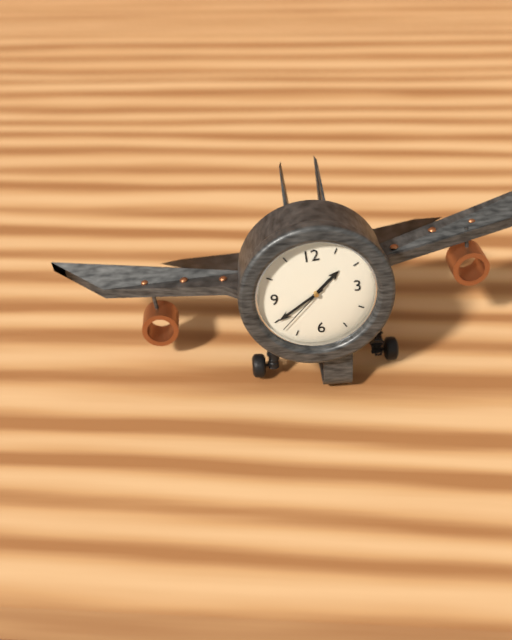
1:40:38
